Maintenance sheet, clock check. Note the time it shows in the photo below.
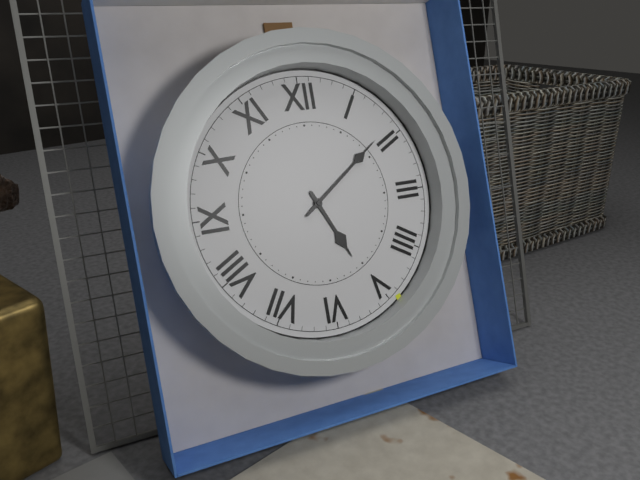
5:09
